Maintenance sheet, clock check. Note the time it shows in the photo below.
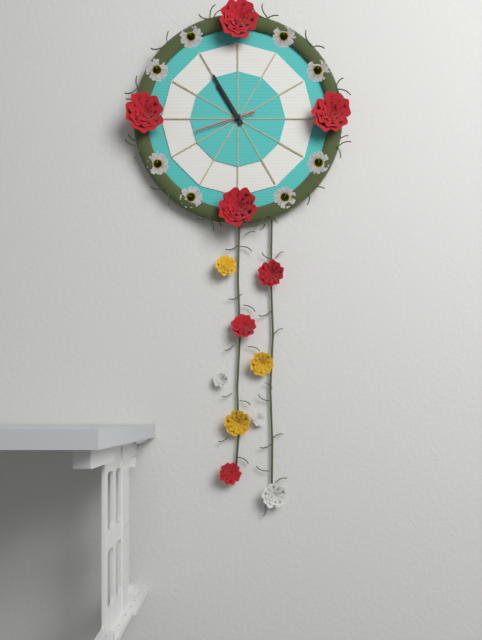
10:55:42
